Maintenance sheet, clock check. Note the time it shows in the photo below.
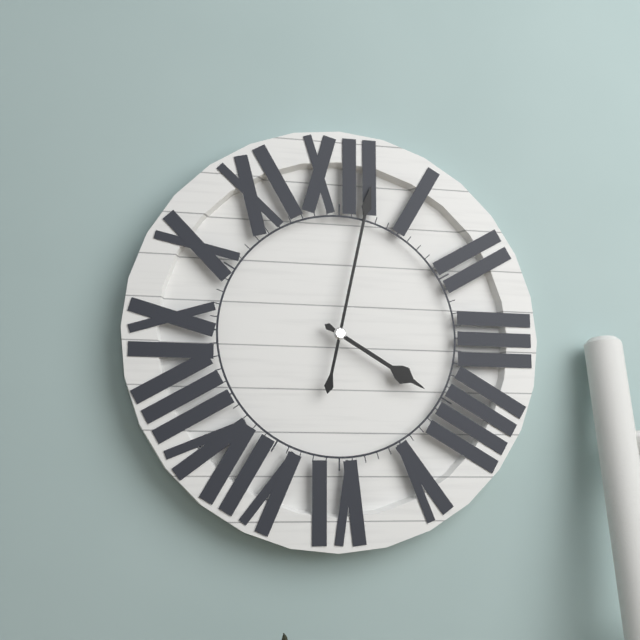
4:02
